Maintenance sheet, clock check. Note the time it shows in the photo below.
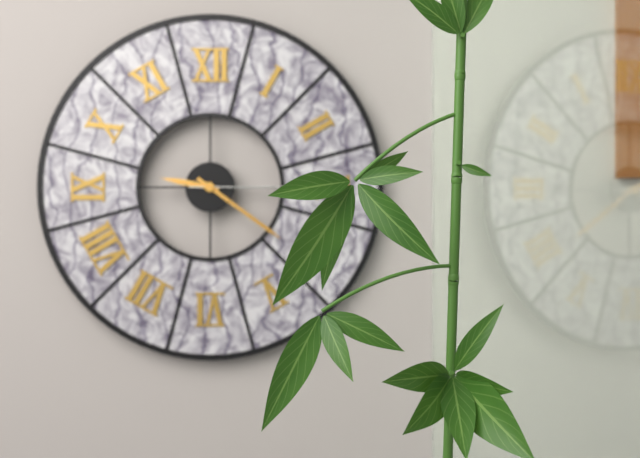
9:21:15
